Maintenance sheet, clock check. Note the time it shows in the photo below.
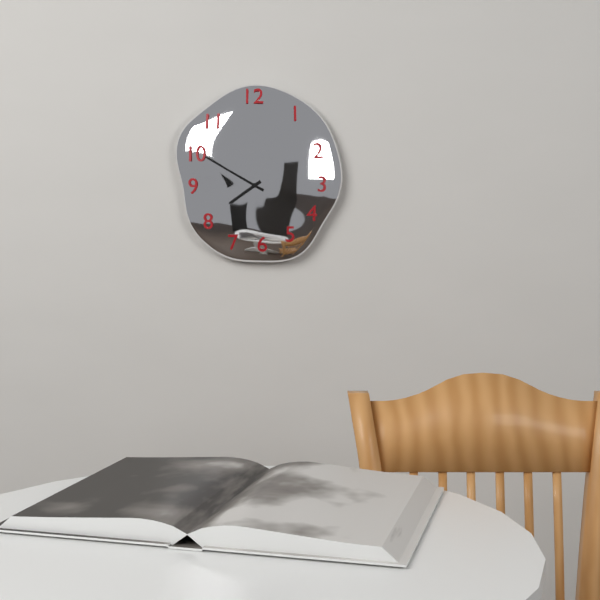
7:50
